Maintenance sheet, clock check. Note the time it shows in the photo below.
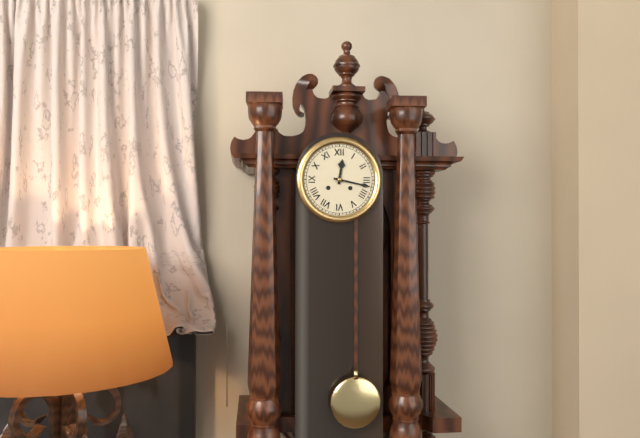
12:17
